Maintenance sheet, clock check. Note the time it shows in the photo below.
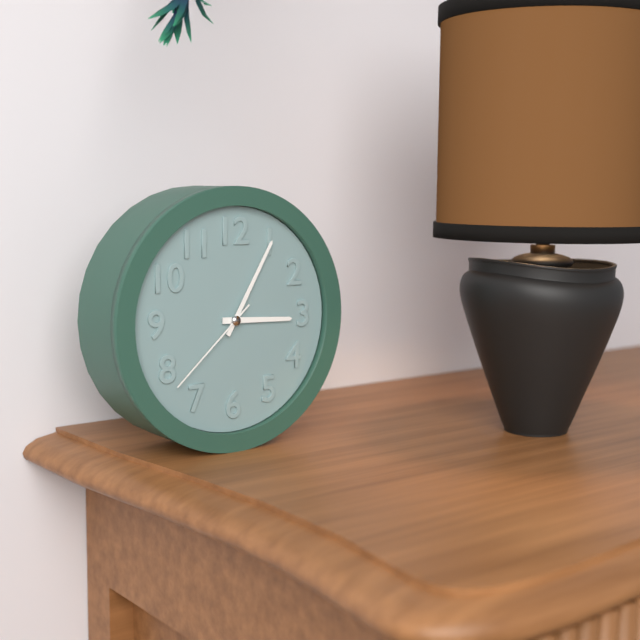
3:05:38
